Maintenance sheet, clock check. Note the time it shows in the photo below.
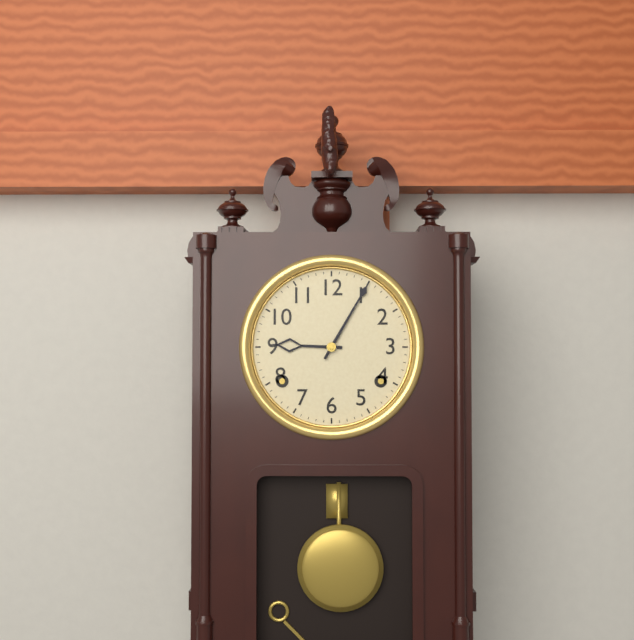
9:05
